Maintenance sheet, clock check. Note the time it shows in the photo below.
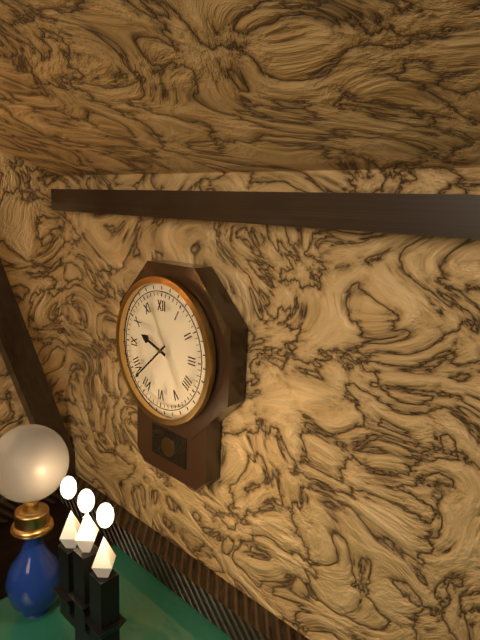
9:38
